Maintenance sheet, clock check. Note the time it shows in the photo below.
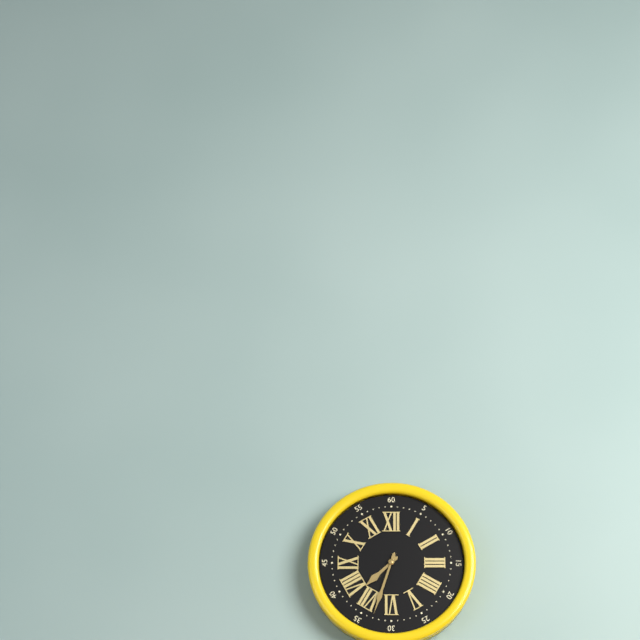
7:33
